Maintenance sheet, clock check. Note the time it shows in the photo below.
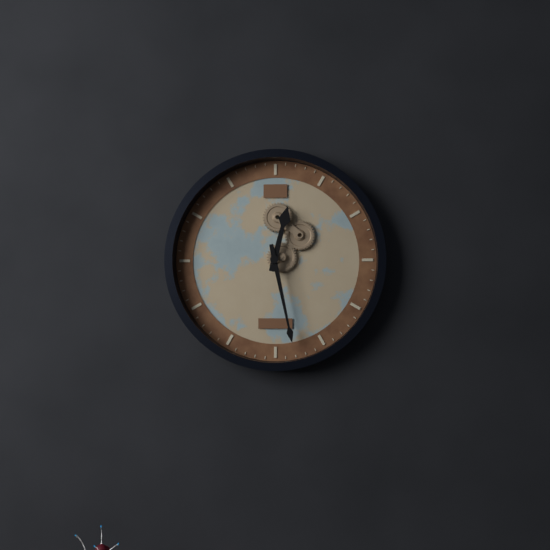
12:28
